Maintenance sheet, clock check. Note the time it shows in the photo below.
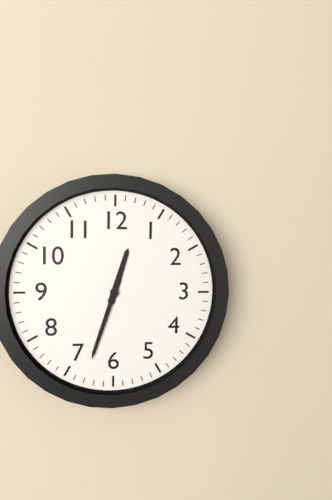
12:33
